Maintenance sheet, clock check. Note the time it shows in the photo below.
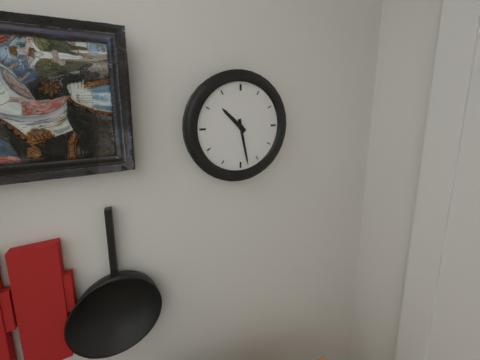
10:28
